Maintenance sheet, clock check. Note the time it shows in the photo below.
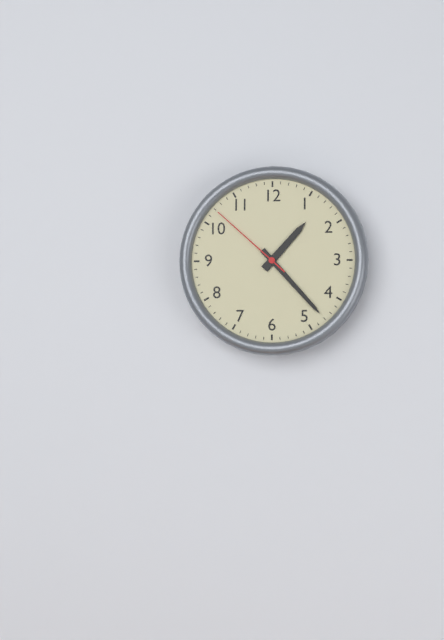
1:23:52
